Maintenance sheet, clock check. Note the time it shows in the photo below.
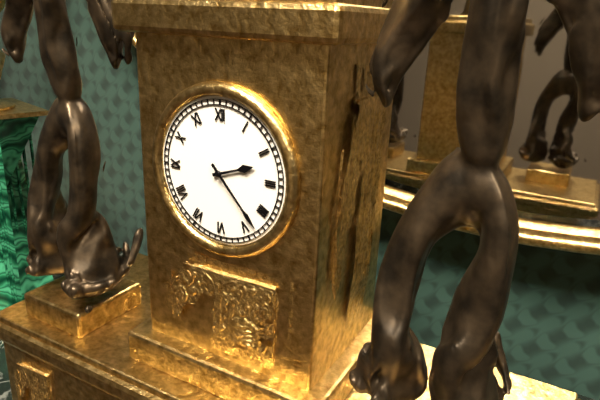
2:23
